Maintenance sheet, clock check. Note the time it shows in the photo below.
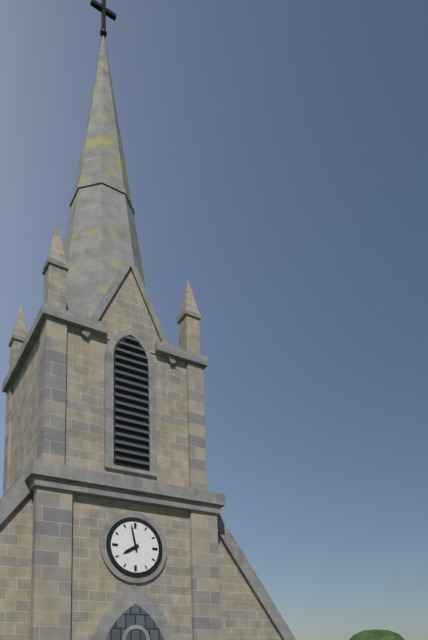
7:58
